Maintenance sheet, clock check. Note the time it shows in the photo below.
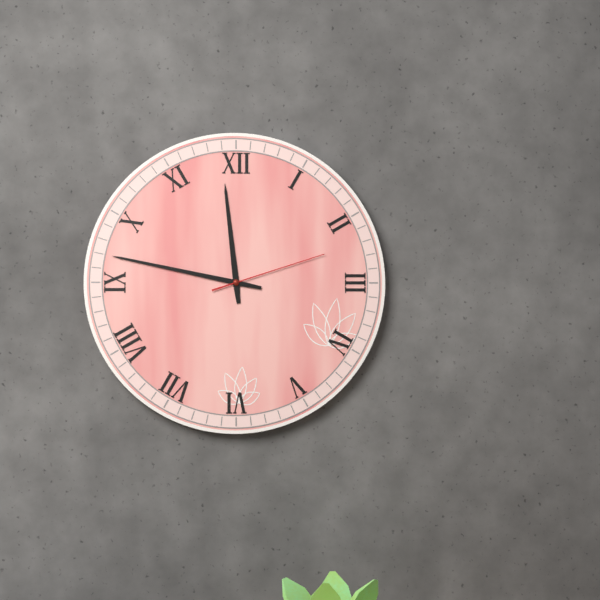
11:47:12
